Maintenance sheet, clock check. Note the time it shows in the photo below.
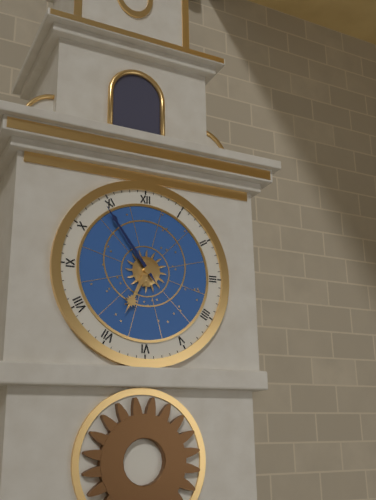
6:54
